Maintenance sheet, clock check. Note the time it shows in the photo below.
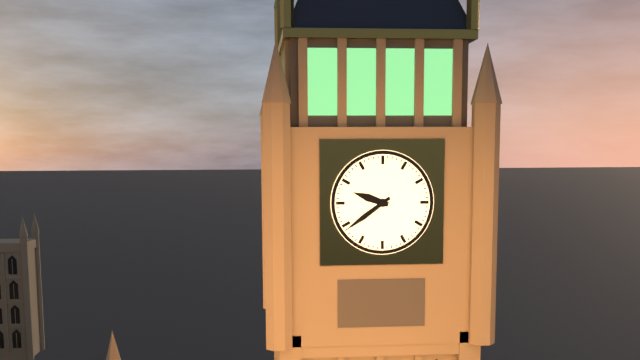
9:39
